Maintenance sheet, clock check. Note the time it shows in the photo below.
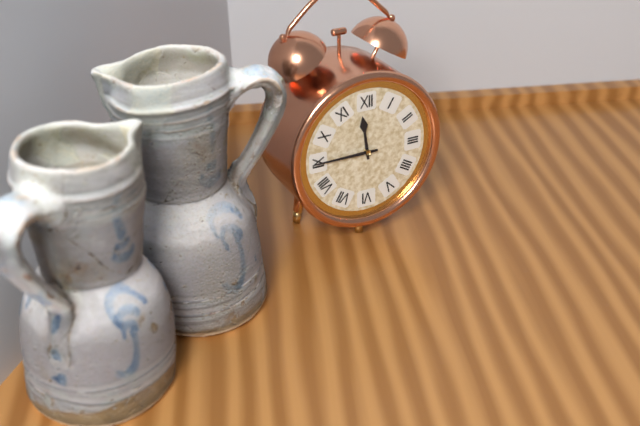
11:45
